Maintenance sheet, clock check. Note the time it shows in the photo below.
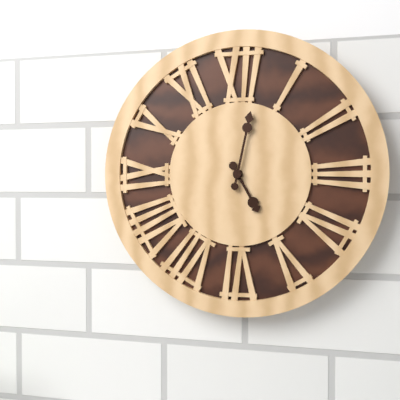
5:02
